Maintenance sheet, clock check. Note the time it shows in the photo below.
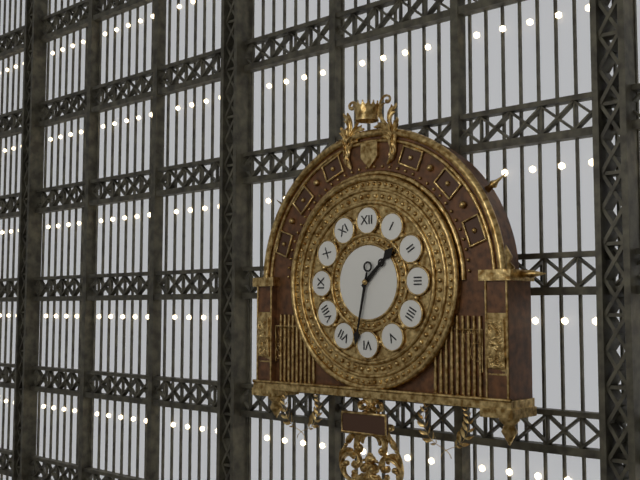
1:32
